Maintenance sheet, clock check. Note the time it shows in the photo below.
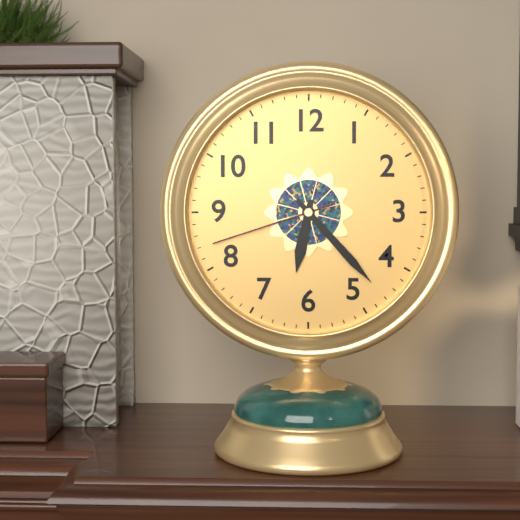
6:23:42
